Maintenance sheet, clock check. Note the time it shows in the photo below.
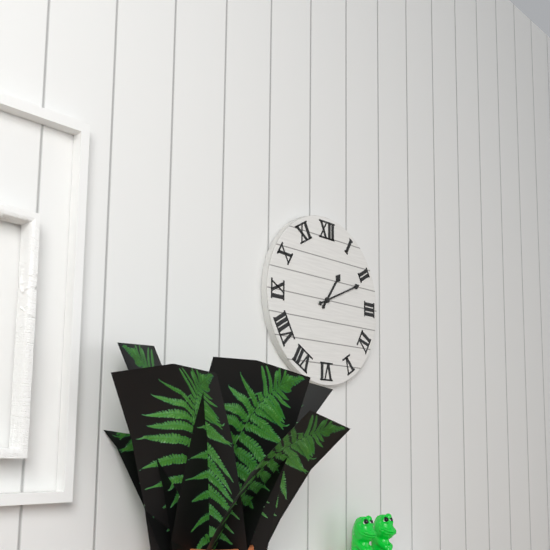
1:11
